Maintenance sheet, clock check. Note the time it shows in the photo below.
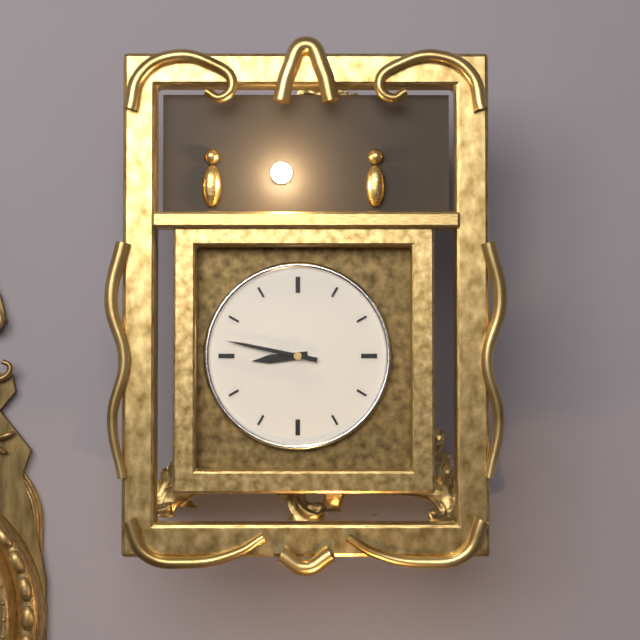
8:47
